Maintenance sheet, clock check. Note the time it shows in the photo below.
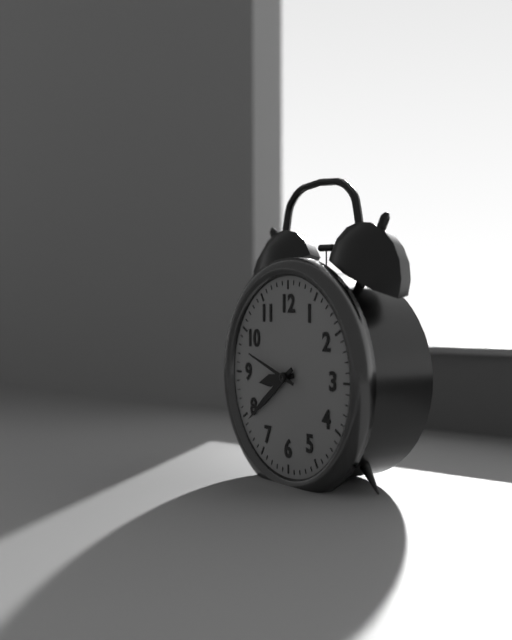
8:39:48
